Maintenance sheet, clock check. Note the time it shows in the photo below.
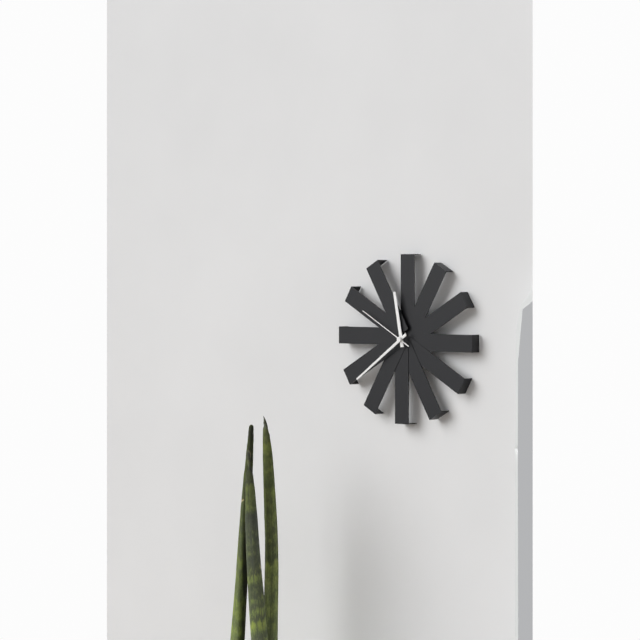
11:39:50
